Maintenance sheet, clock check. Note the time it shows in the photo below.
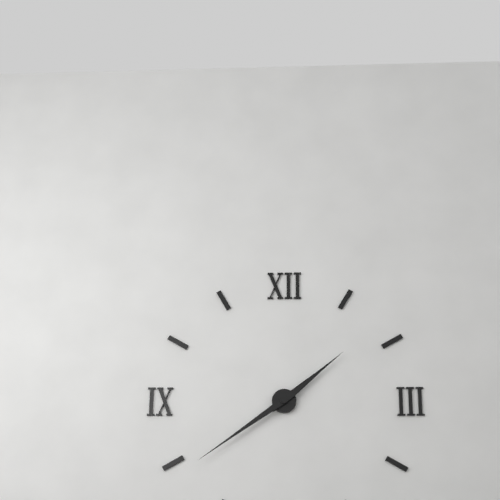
1:39
